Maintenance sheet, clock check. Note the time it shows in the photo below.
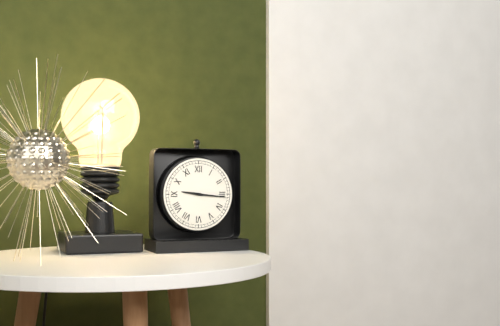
9:16
